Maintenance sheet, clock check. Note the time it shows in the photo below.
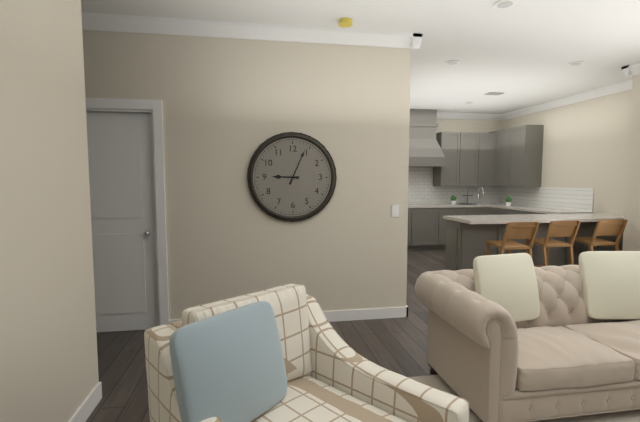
9:04
